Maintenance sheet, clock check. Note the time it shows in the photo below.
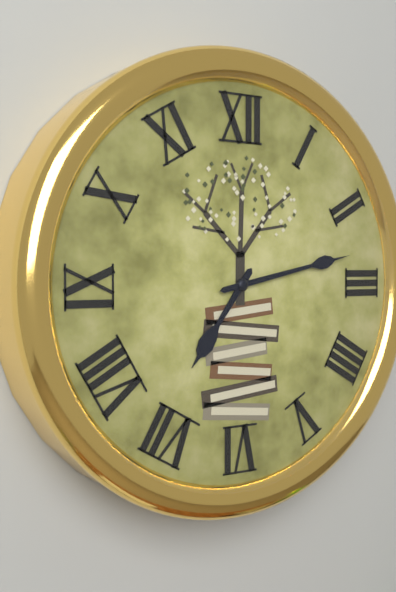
7:13
